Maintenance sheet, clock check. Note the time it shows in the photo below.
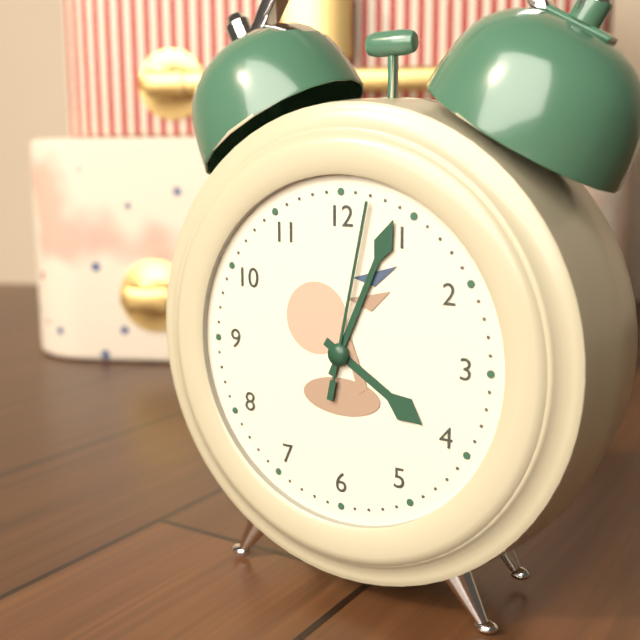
4:04:02
